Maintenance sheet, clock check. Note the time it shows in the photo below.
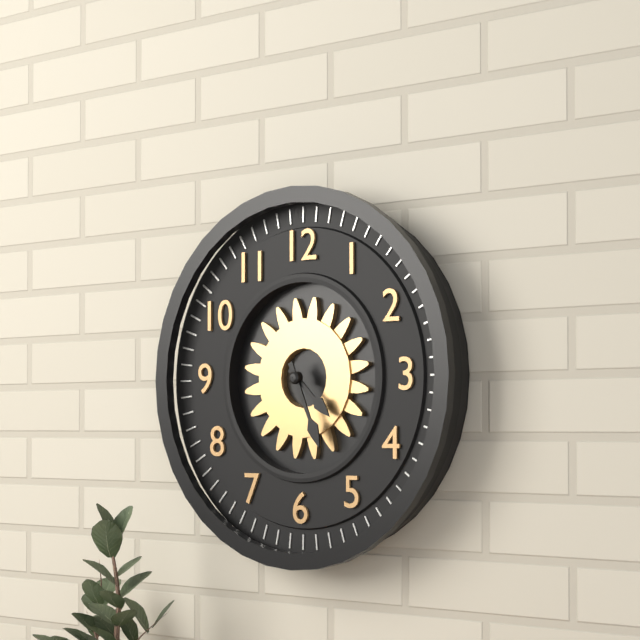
4:26
